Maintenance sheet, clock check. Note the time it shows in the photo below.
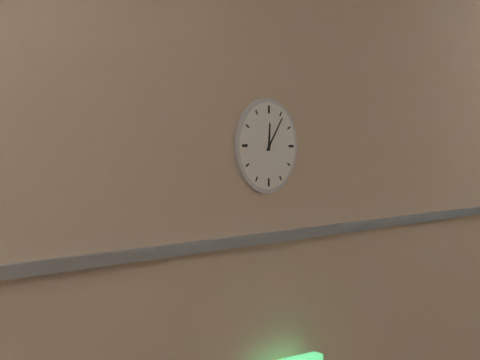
12:06
